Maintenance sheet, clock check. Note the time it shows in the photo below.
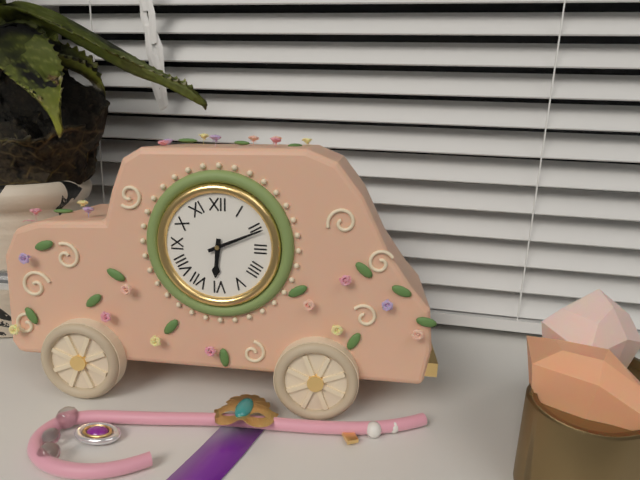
6:11
